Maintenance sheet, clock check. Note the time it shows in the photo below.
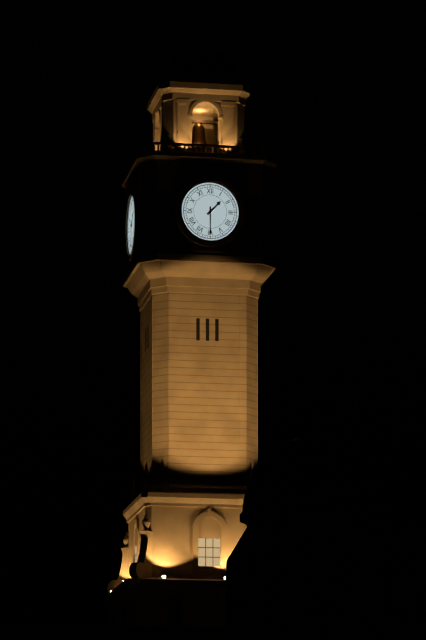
1:30
